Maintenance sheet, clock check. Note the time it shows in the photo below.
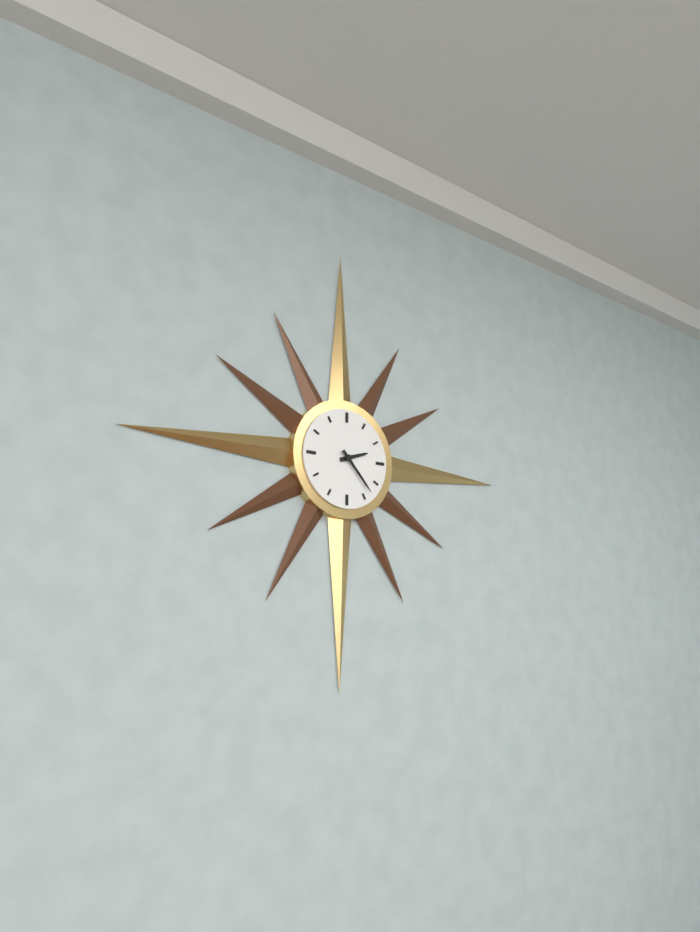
2:23
